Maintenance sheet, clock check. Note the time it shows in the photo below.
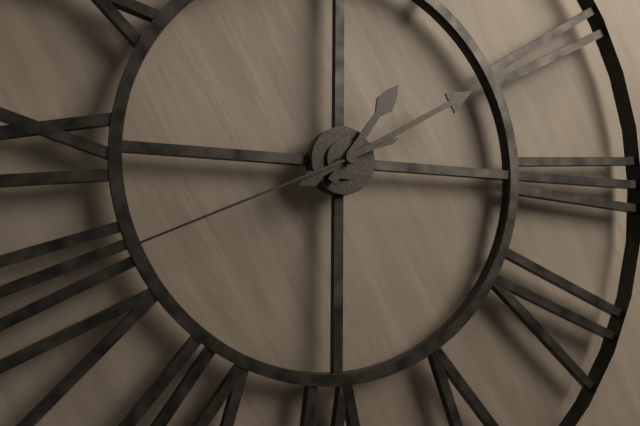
1:10:41
